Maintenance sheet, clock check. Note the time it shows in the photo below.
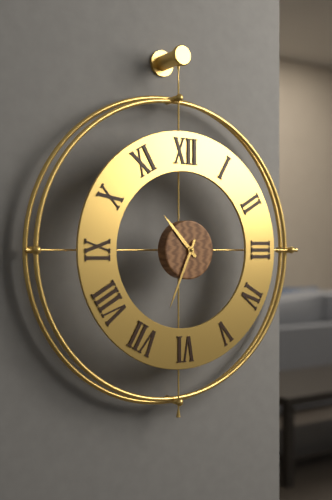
10:34
